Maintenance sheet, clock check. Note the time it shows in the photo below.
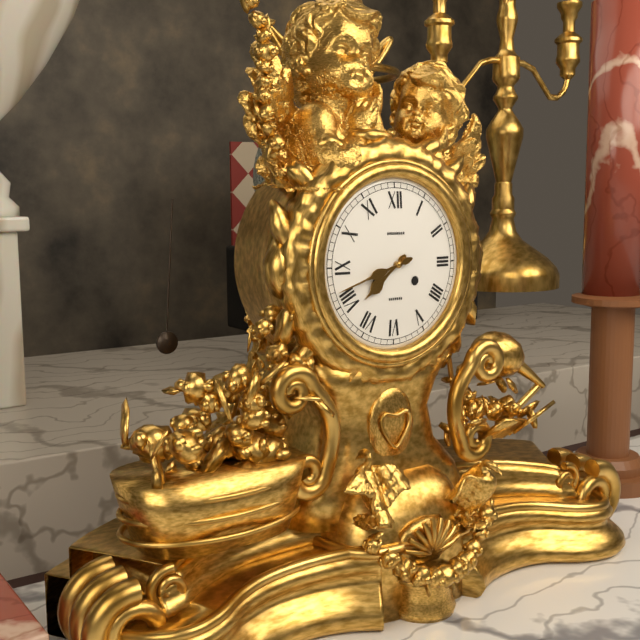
7:42
